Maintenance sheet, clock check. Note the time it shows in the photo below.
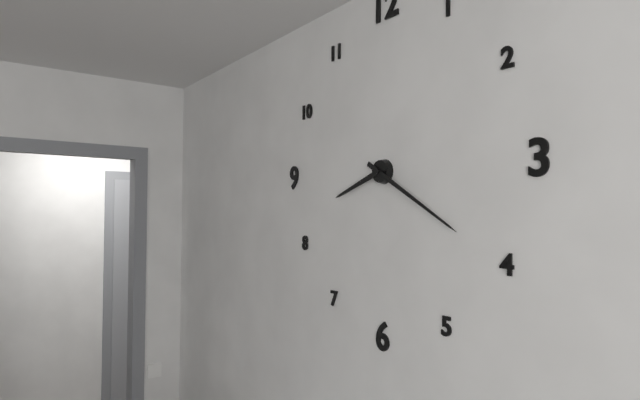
8:20
